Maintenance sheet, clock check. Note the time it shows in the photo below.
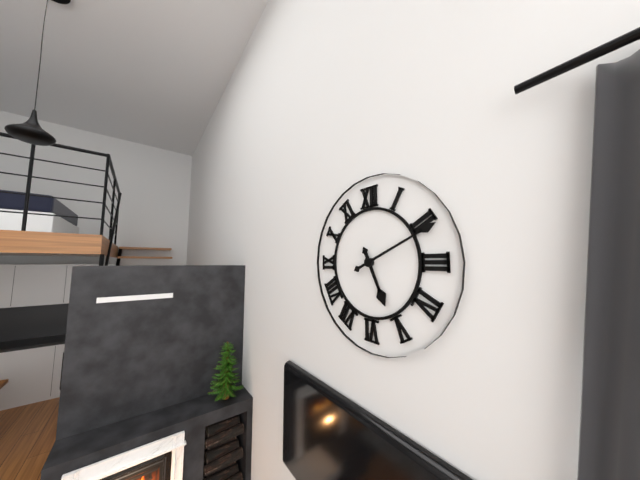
5:11
